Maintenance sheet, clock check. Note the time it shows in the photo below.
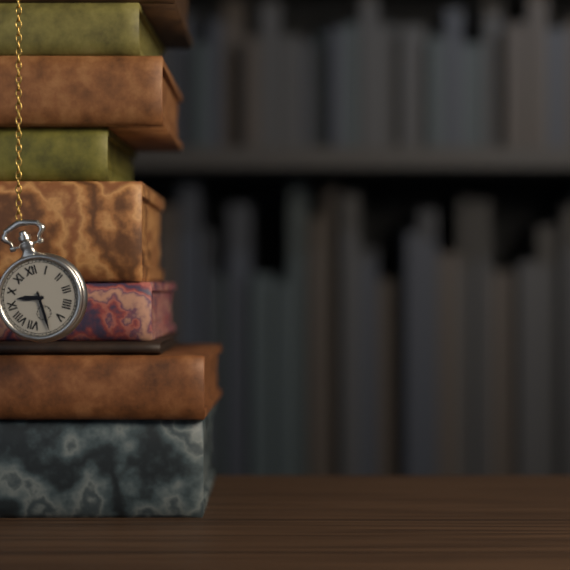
9:30
